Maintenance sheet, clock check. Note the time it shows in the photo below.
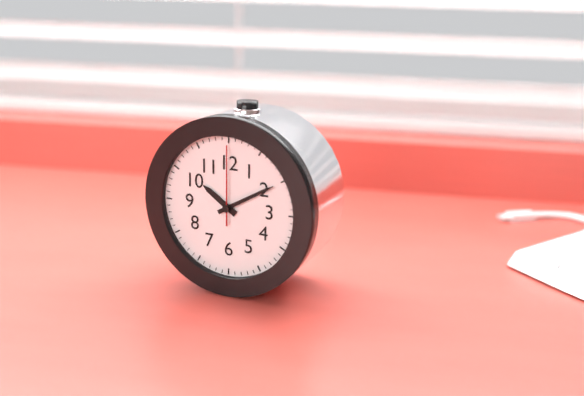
10:10:00
